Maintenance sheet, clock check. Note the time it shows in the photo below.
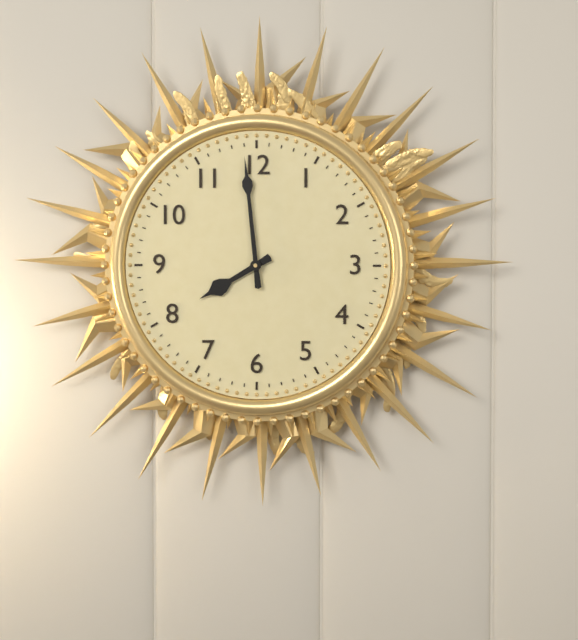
7:59
